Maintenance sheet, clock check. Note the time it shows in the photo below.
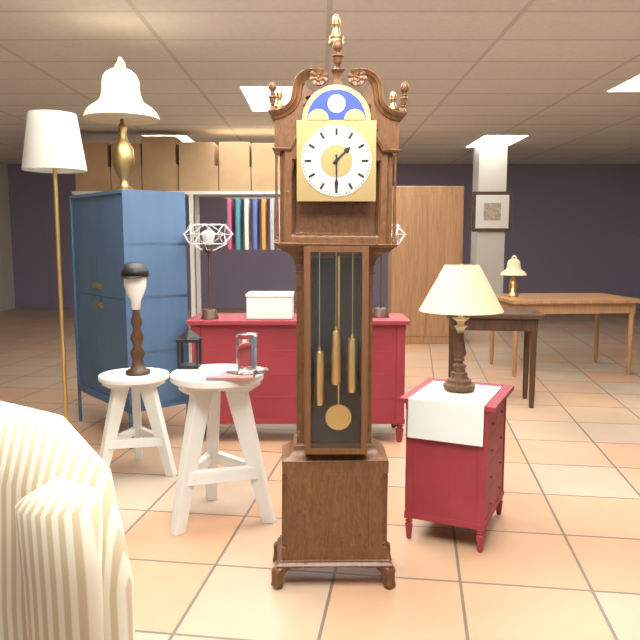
1:30
